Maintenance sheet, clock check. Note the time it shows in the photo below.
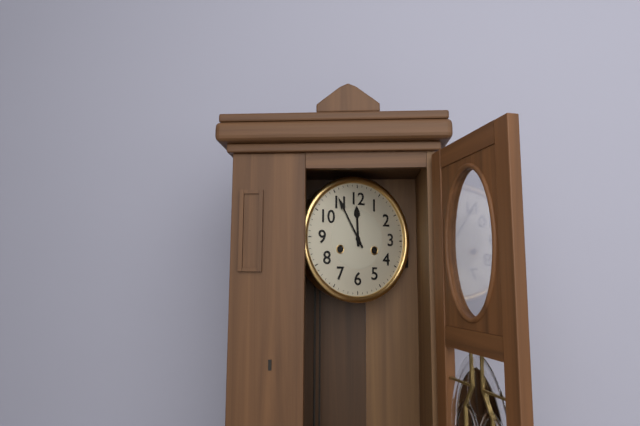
11:55
